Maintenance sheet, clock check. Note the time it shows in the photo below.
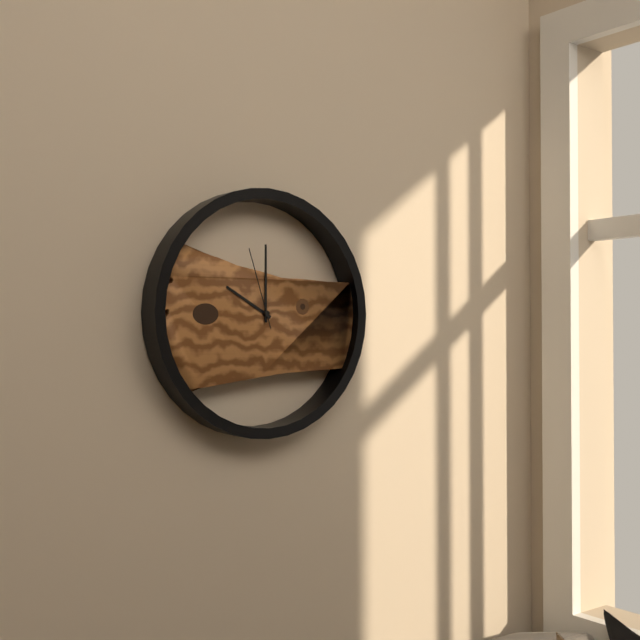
10:00:57
